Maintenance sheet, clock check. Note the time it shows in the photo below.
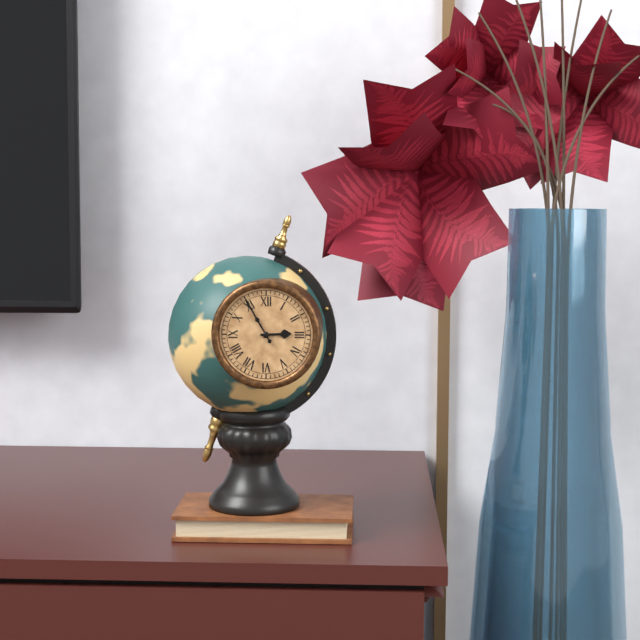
2:55
